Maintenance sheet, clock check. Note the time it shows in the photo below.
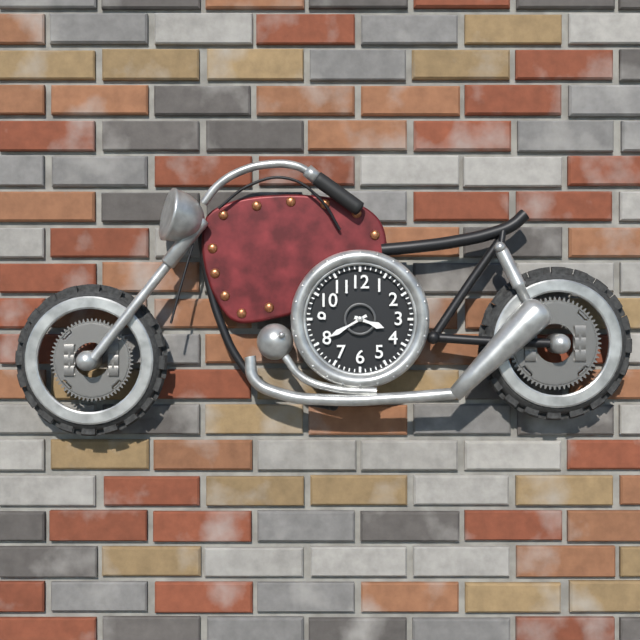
3:40
